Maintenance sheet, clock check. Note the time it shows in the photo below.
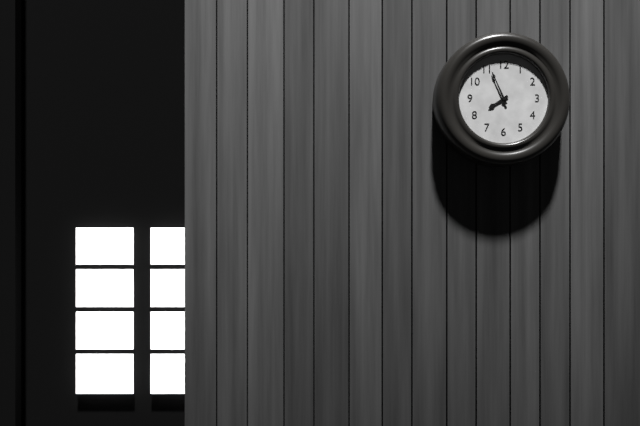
7:56
